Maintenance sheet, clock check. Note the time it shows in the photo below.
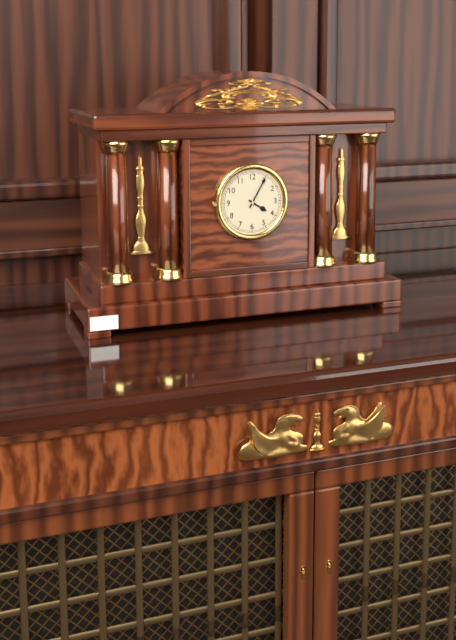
4:05
